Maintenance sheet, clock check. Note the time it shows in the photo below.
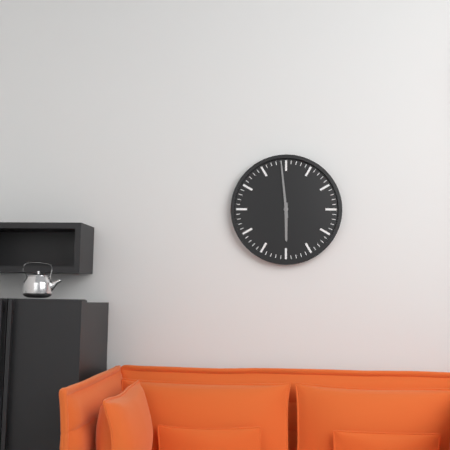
5:59
